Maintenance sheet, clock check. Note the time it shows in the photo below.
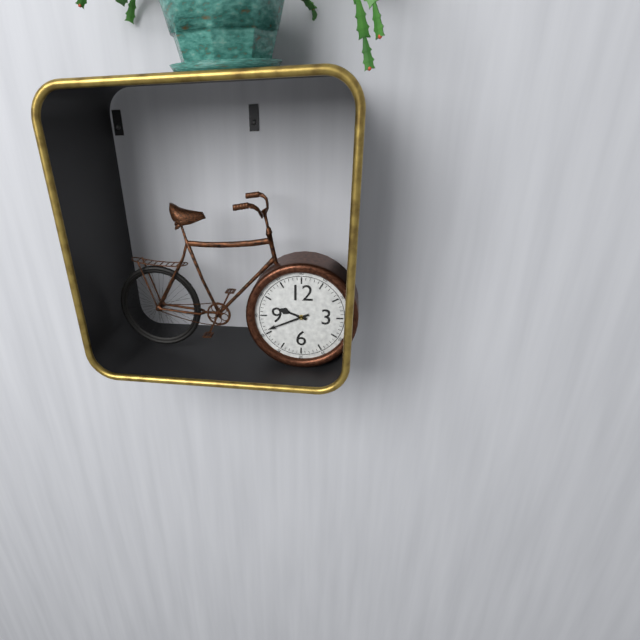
9:41
